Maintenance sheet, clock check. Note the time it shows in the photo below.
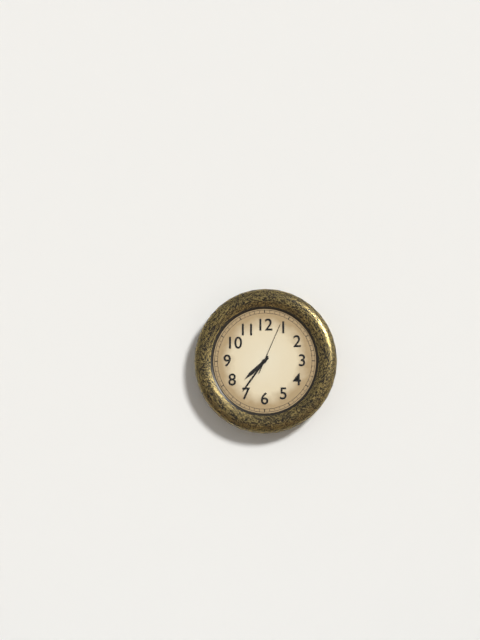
7:36:04
